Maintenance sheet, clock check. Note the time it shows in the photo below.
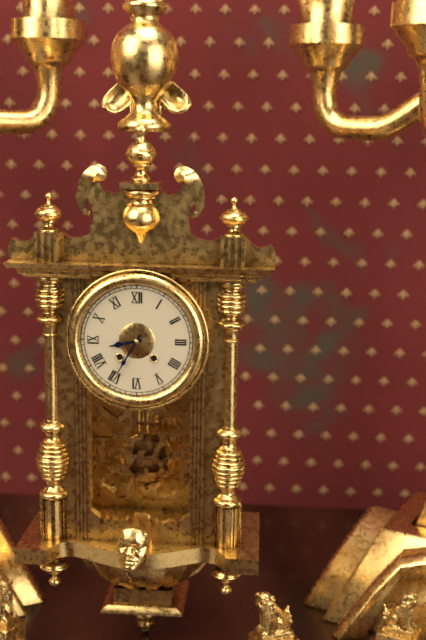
8:35
